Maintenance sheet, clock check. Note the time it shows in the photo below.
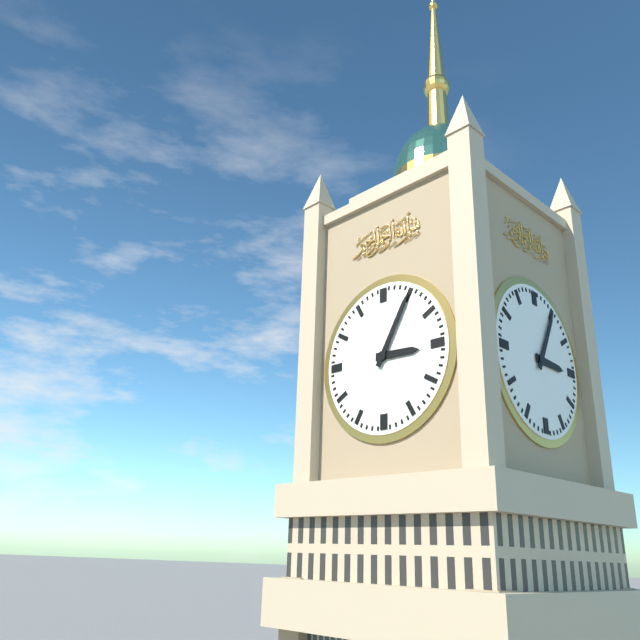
3:05
